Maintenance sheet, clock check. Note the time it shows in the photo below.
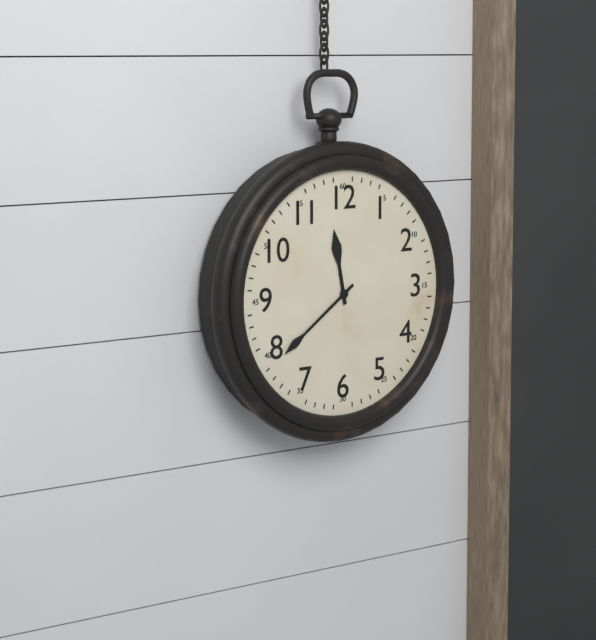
11:39
